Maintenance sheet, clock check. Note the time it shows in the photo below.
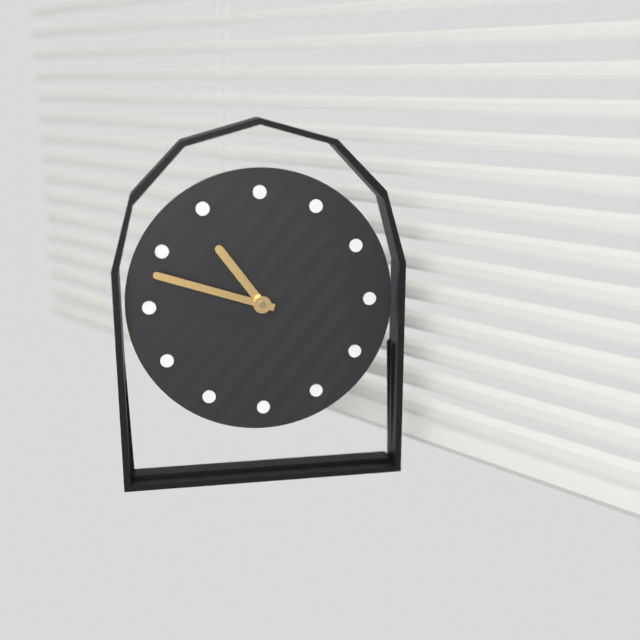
10:48
